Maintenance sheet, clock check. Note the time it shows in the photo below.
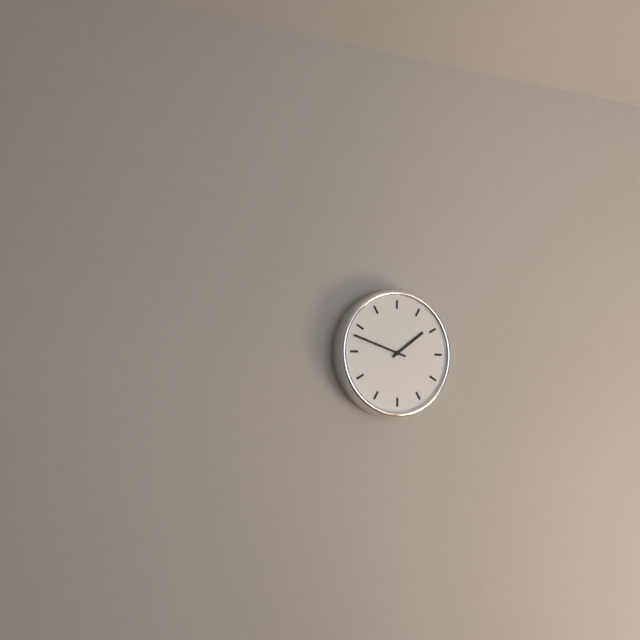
1:48
